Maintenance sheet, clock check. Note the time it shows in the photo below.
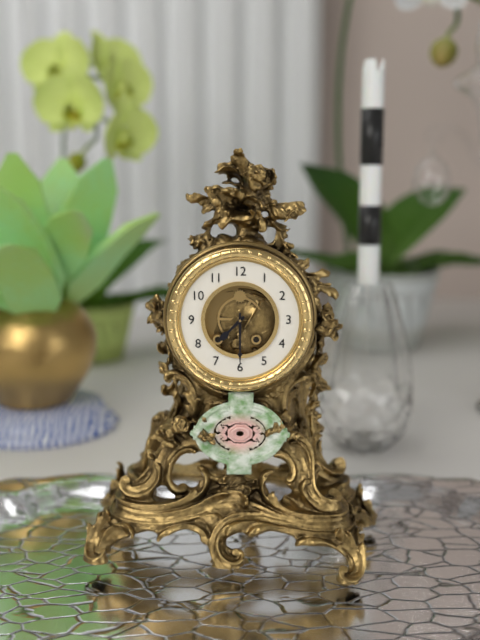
7:30
